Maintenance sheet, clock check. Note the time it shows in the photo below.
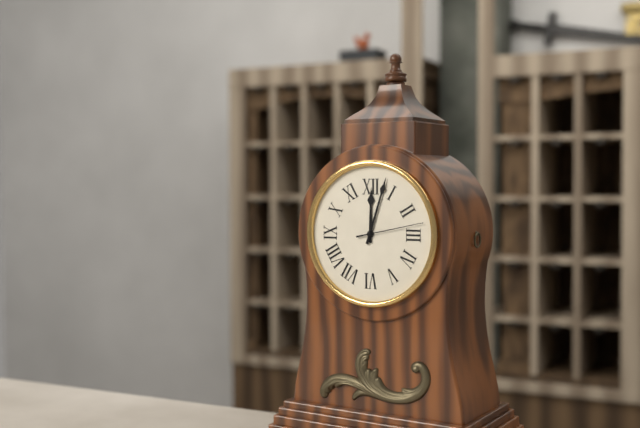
12:03:13
